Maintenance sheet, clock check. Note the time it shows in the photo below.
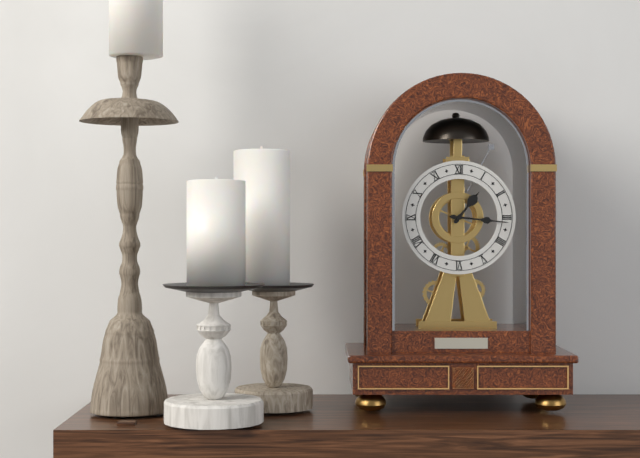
1:16
